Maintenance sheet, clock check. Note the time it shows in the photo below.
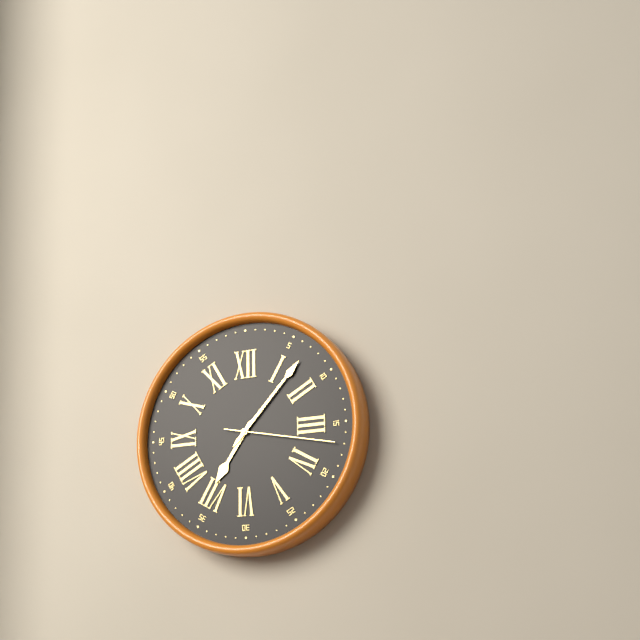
7:07:17
